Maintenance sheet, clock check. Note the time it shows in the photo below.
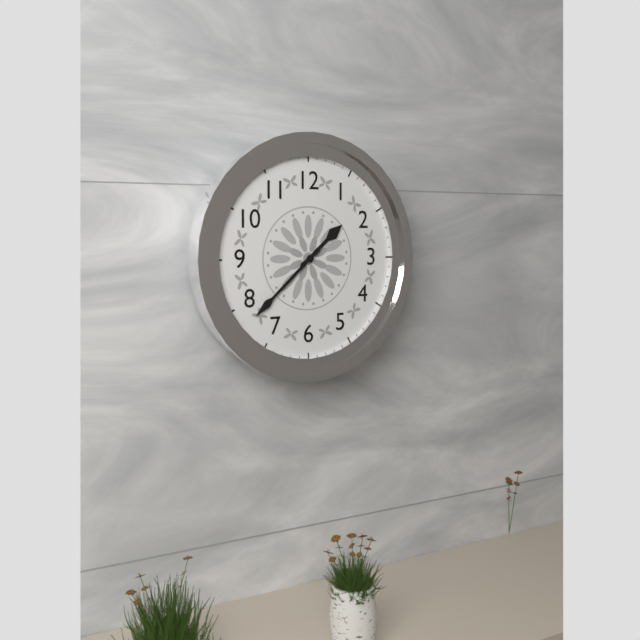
1:38
